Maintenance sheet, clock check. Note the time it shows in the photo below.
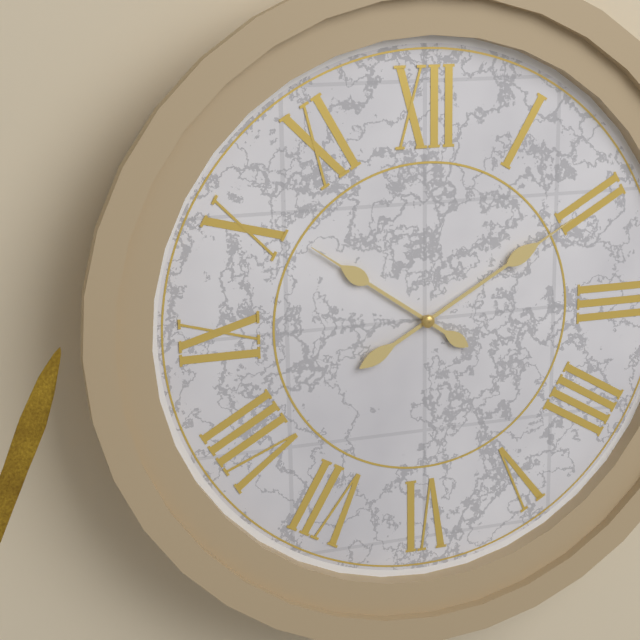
10:10
